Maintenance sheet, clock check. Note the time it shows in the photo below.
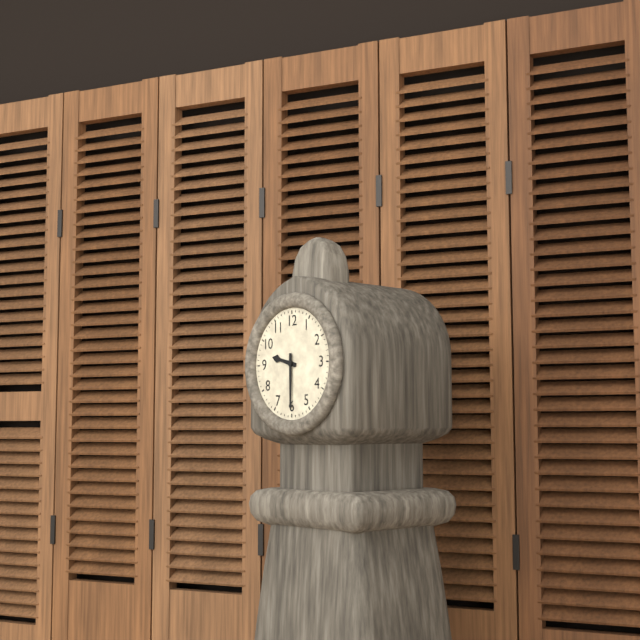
9:30
